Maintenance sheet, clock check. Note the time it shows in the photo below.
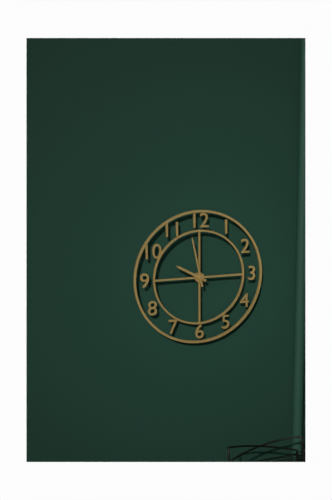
9:58
